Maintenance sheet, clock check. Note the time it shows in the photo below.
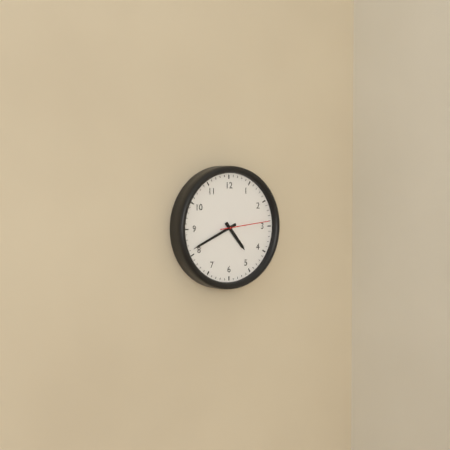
4:41:14
